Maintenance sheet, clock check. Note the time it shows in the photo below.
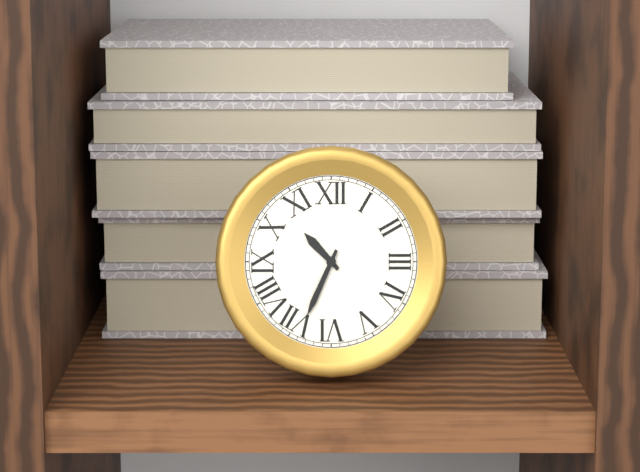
10:34
